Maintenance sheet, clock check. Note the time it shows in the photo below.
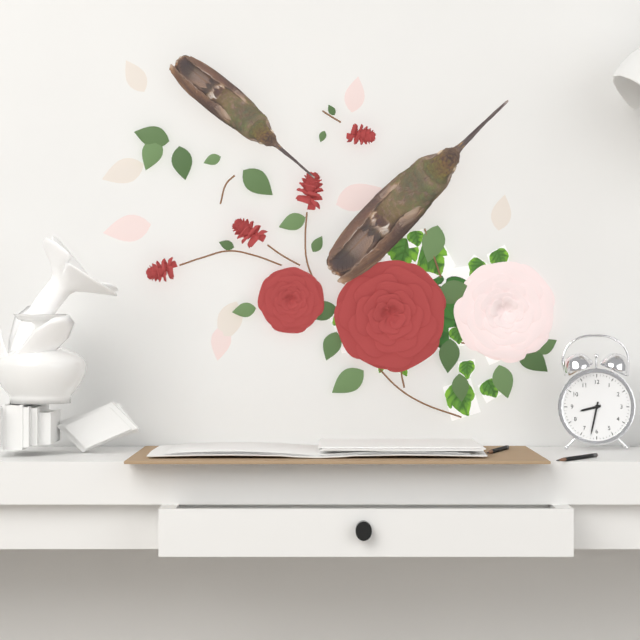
8:32
